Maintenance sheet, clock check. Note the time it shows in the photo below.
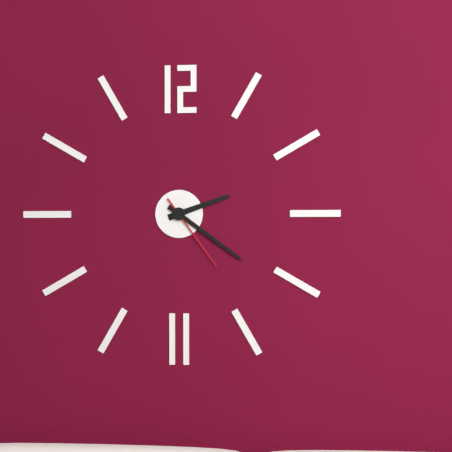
2:21:24
